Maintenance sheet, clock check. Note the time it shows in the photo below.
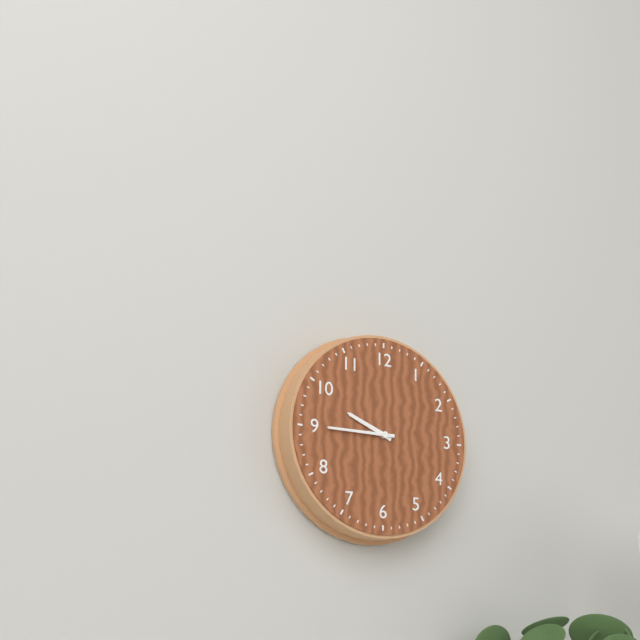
9:45
